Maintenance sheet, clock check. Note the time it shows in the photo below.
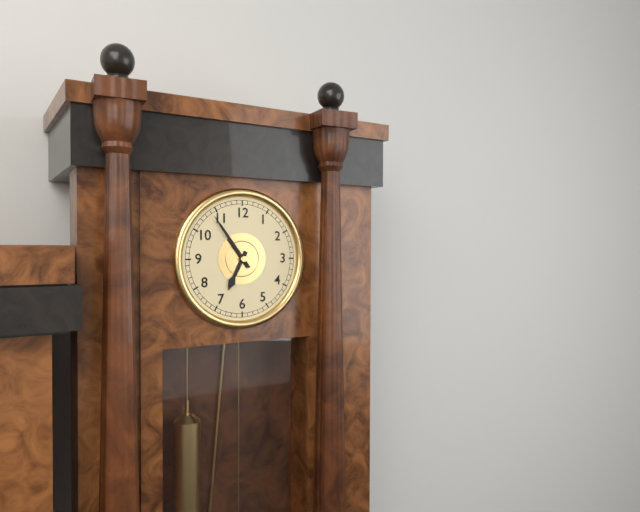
6:54
